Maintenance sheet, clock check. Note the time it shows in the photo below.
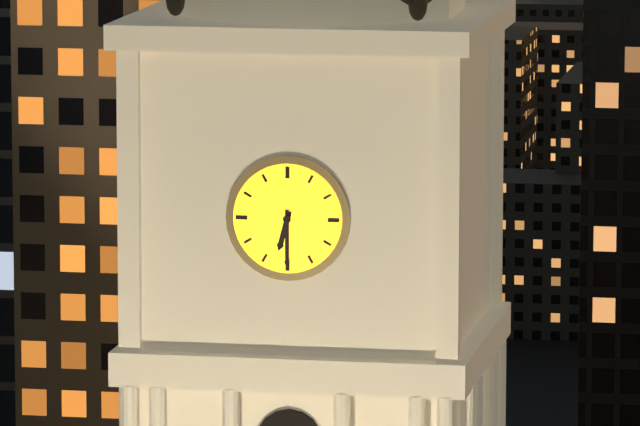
6:30
